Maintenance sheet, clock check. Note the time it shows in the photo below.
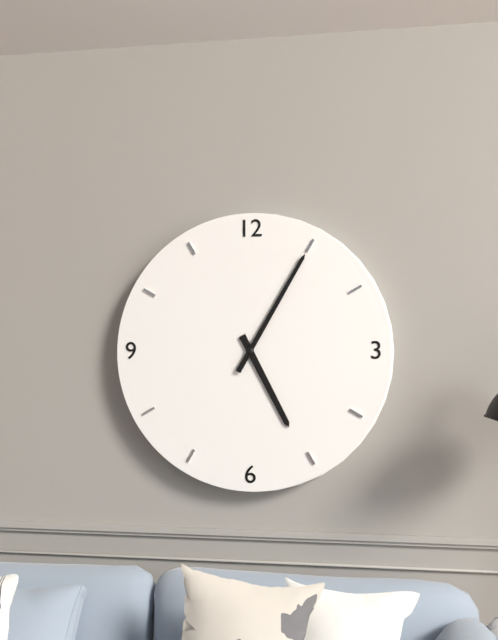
5:05
